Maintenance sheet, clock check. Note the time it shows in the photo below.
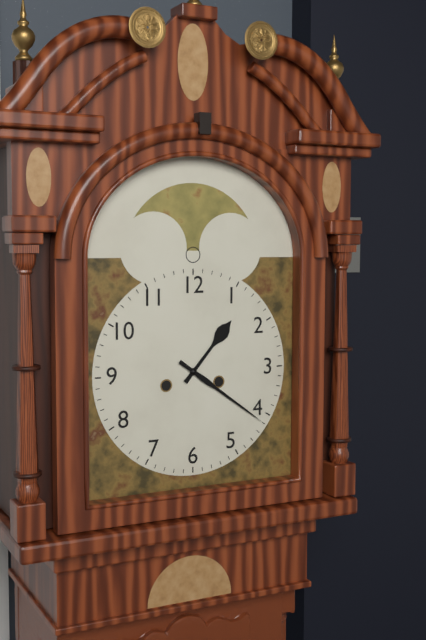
1:21
